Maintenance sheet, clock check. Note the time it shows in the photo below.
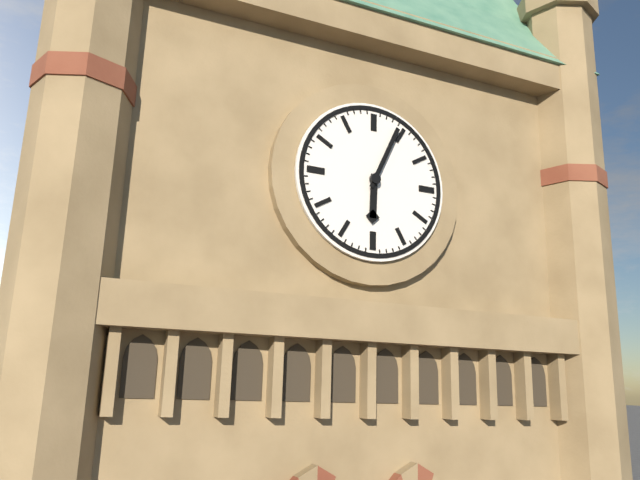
6:04
